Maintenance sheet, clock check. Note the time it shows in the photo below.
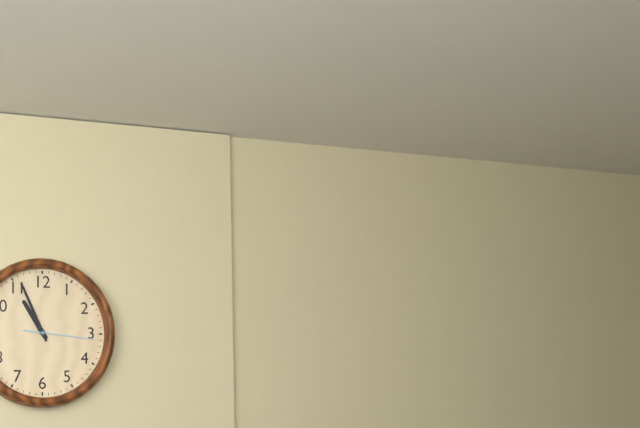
10:56:16
